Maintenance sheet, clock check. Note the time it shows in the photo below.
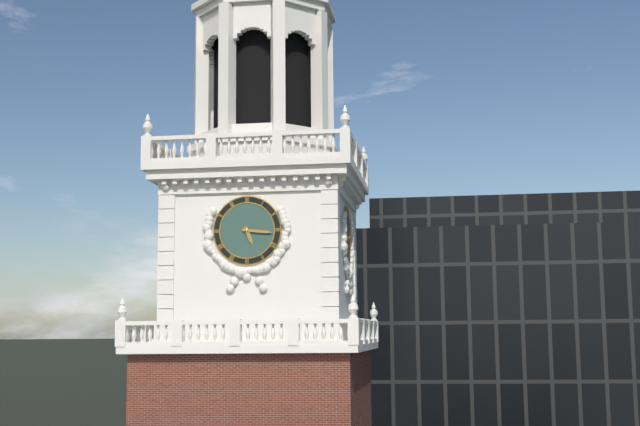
5:16
